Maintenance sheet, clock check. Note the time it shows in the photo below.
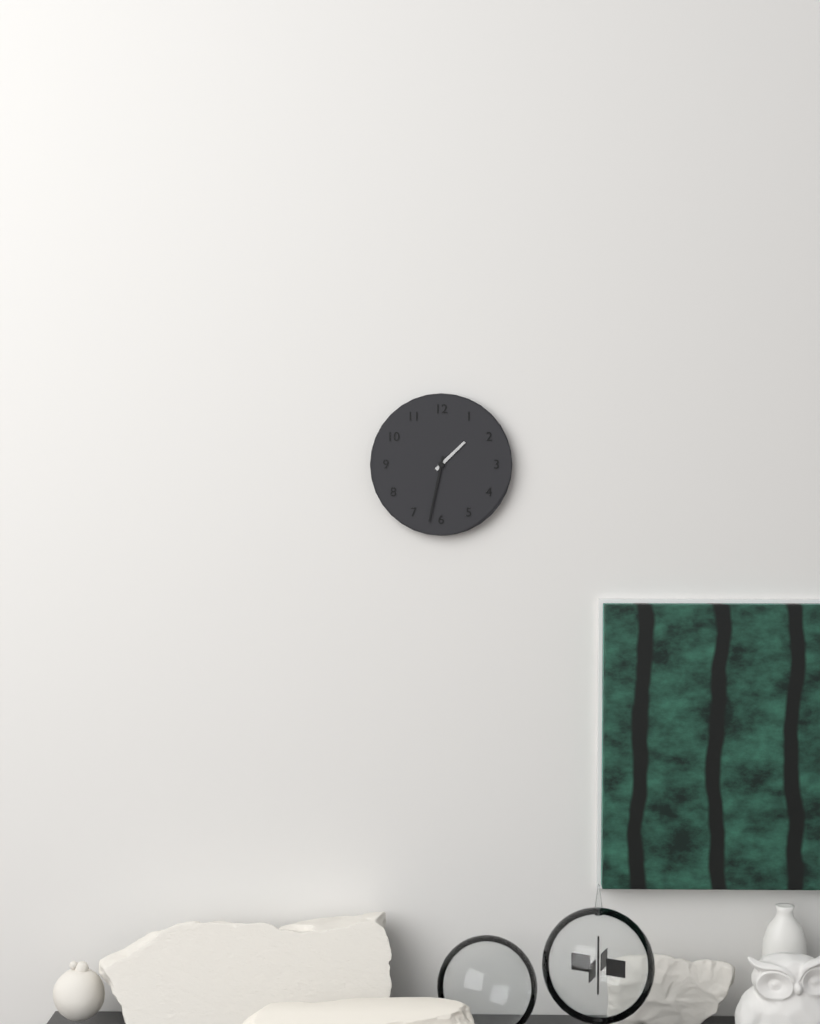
1:32
